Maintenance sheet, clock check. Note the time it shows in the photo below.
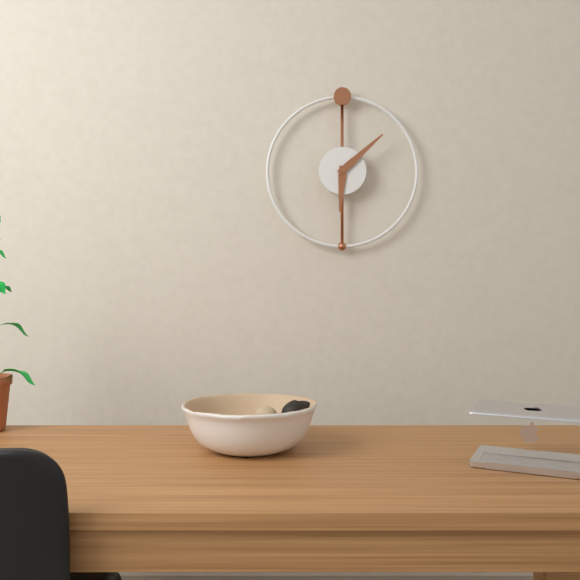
6:08
